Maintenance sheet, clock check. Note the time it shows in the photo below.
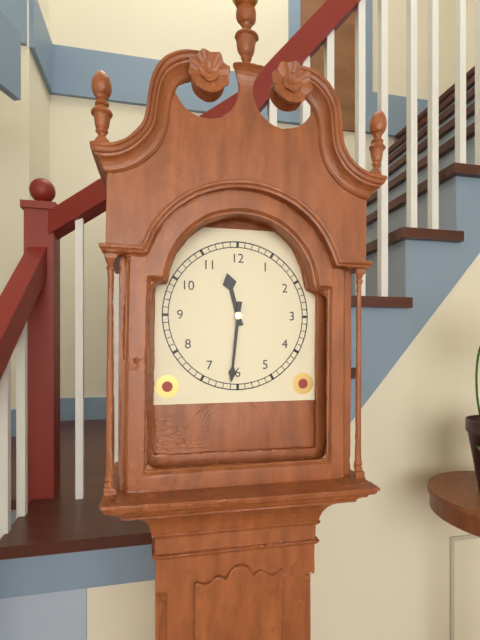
11:31
